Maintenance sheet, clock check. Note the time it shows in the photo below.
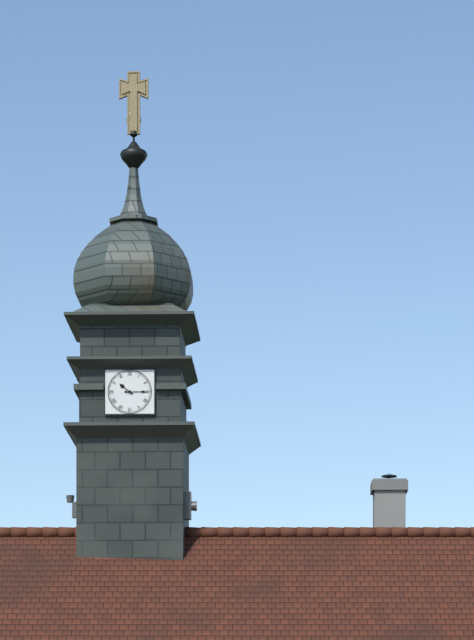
10:15
